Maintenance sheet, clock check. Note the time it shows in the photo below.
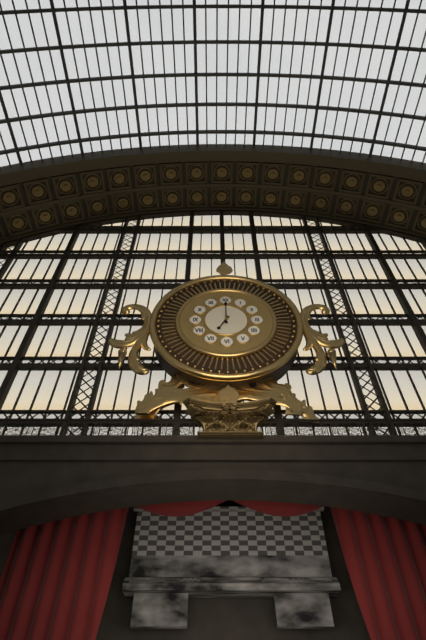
7:00
